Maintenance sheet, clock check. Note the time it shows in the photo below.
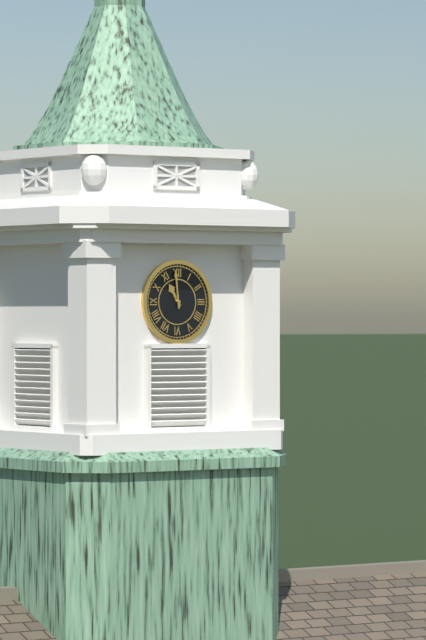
10:59
